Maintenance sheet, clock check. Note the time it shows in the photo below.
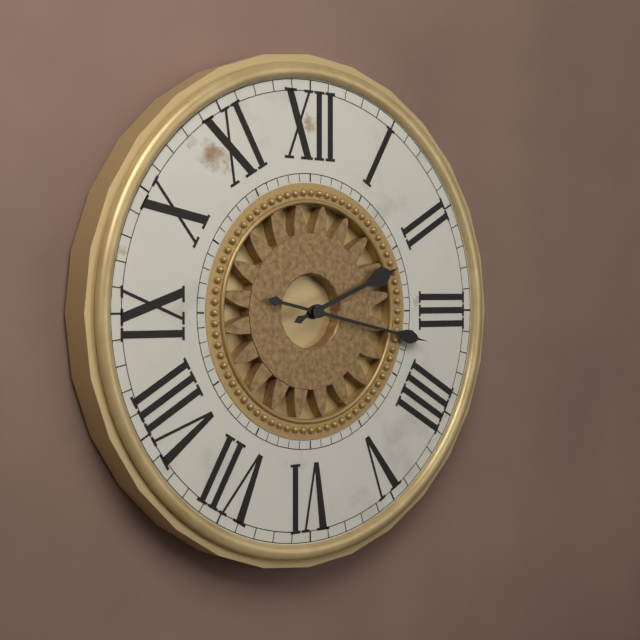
2:17
